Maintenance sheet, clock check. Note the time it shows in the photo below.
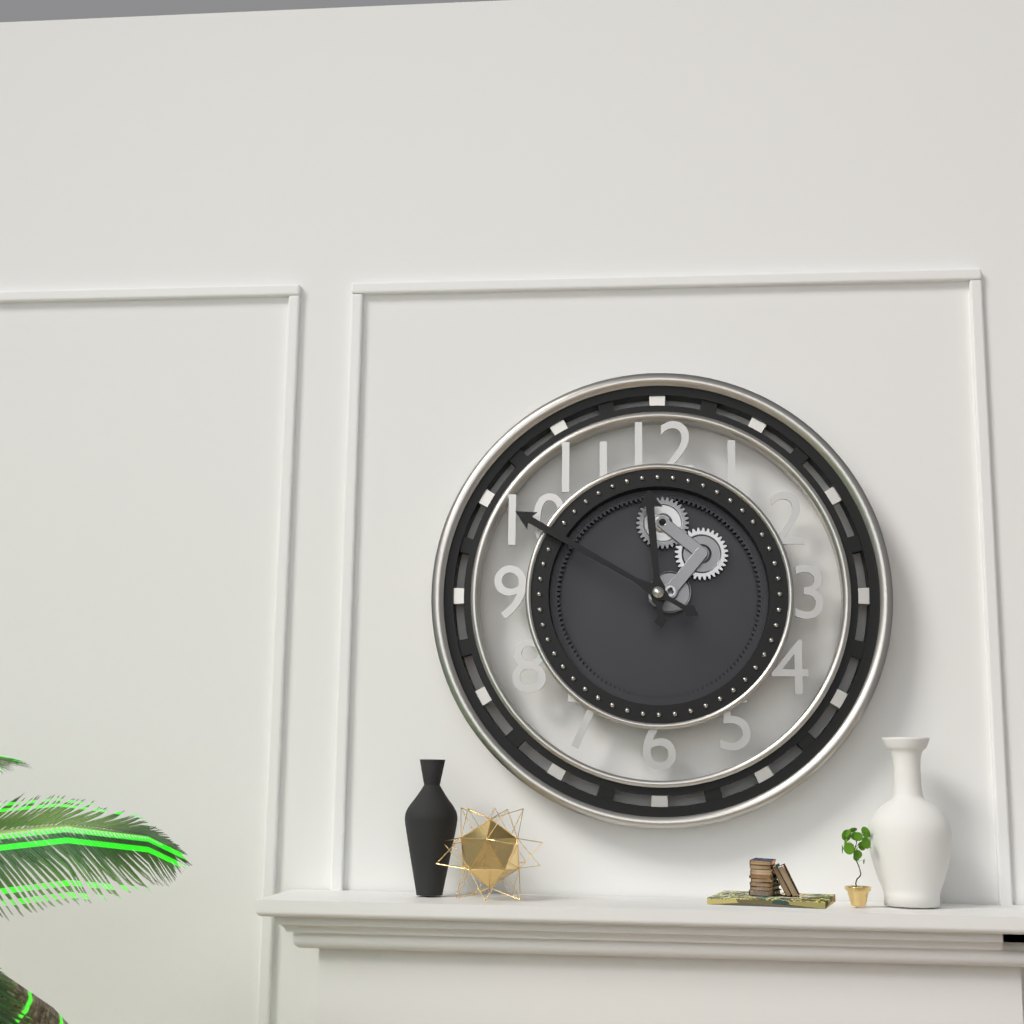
11:50
